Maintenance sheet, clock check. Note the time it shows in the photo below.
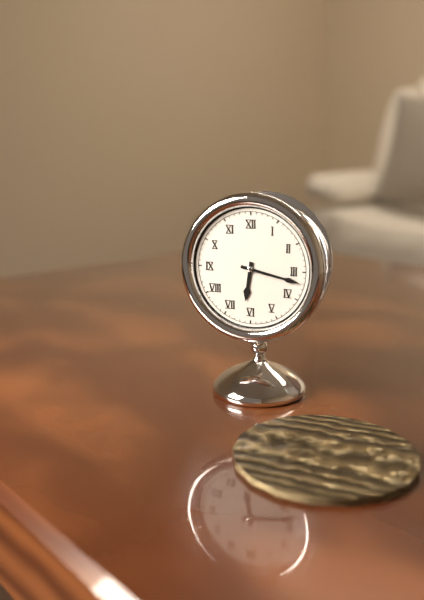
6:17
